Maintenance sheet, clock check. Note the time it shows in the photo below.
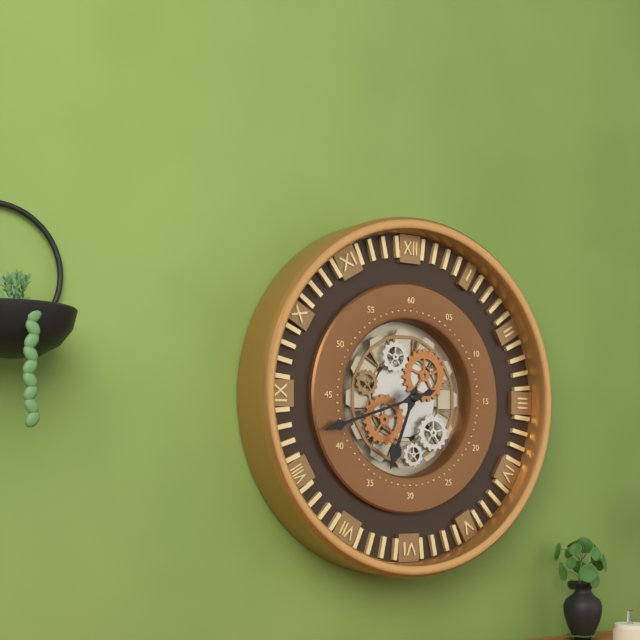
6:42
